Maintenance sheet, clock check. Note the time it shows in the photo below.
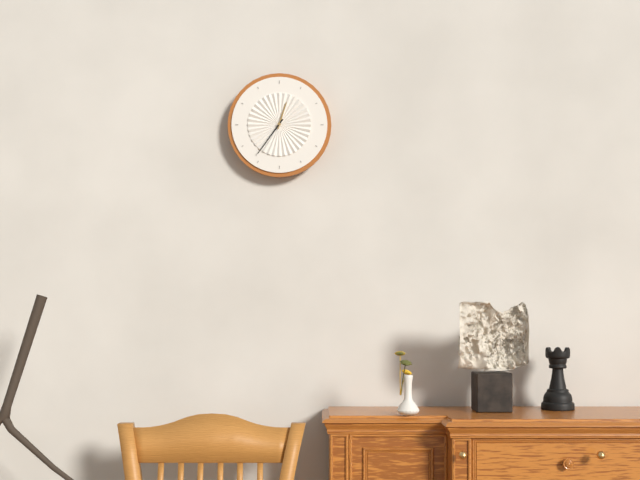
12:36
